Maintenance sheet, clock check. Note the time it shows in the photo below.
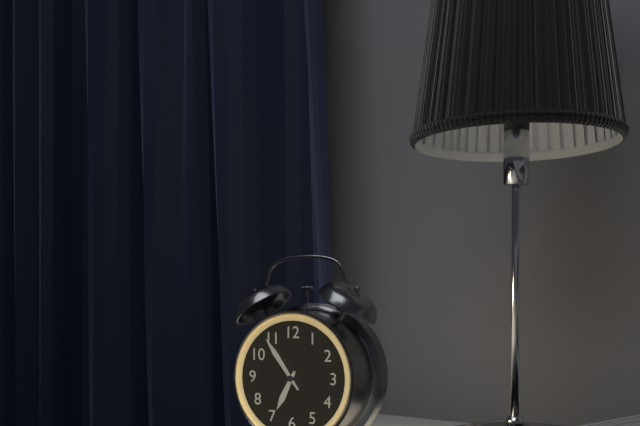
6:54
